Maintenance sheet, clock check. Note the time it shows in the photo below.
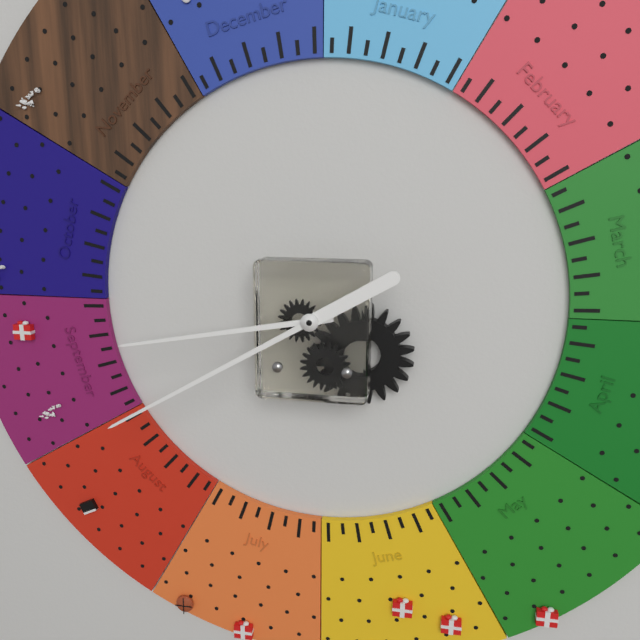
8:40
